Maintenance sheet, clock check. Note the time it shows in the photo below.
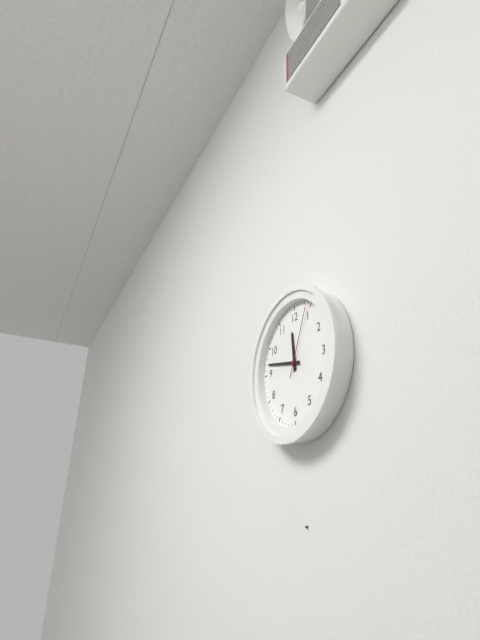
11:47:04
